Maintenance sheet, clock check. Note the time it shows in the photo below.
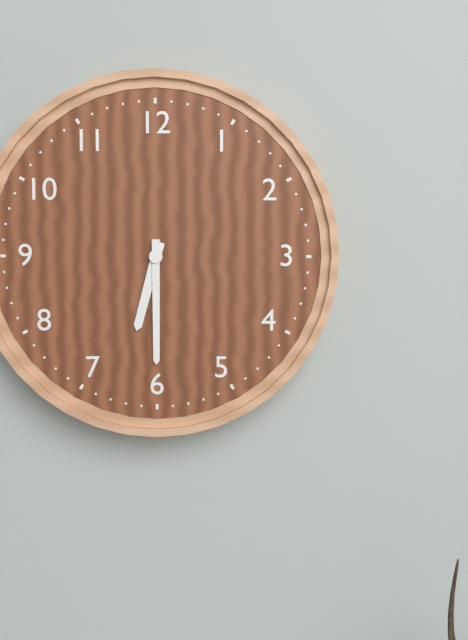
6:30
